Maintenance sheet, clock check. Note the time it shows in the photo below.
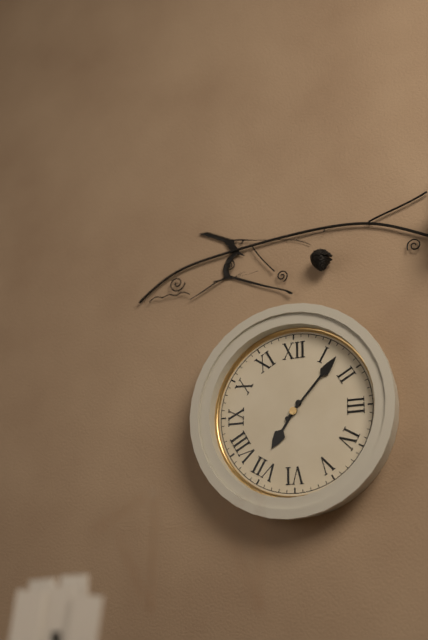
7:07
